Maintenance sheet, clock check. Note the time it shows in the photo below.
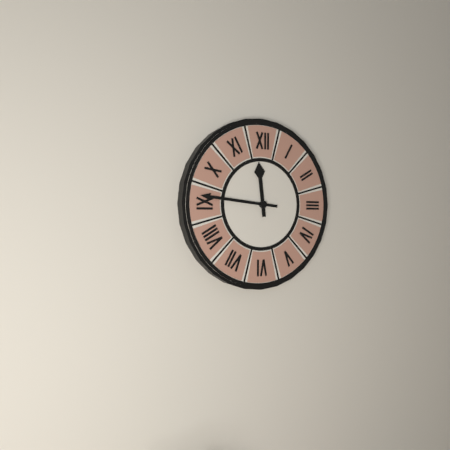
11:46
